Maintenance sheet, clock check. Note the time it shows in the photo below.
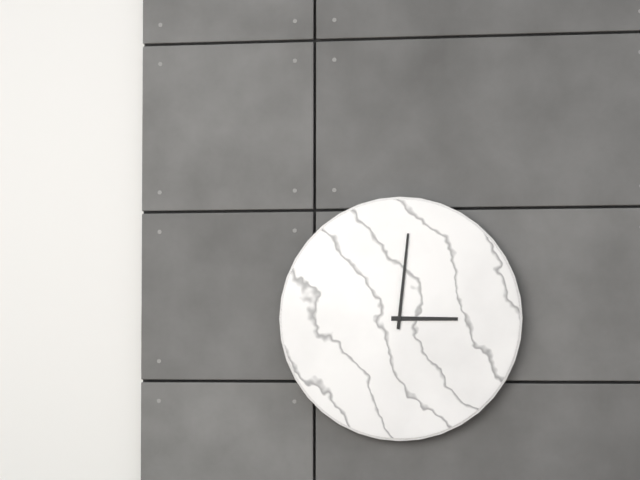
3:01
